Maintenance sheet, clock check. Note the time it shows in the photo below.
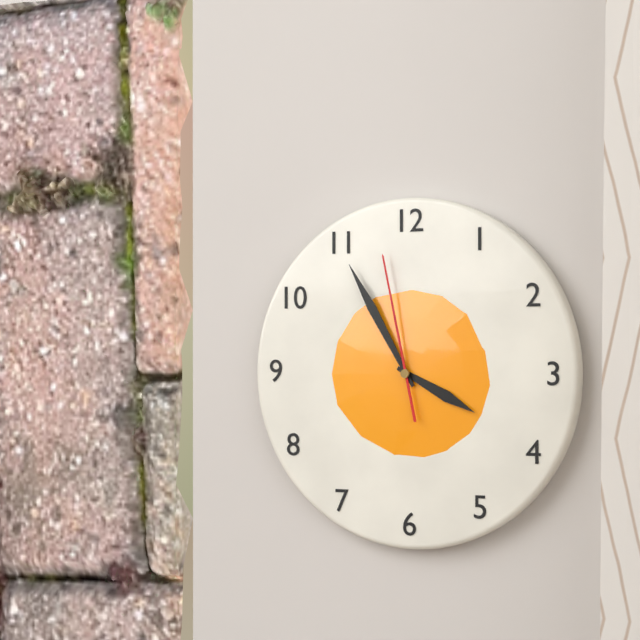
3:55:58
